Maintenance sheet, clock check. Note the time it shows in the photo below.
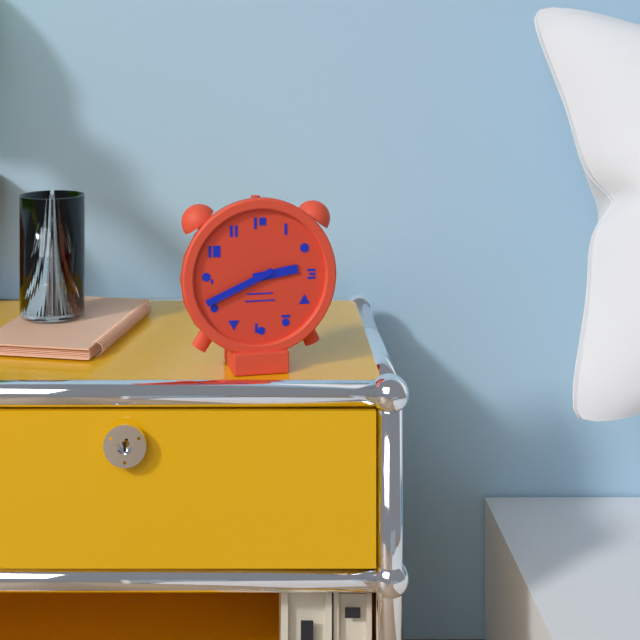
2:41
